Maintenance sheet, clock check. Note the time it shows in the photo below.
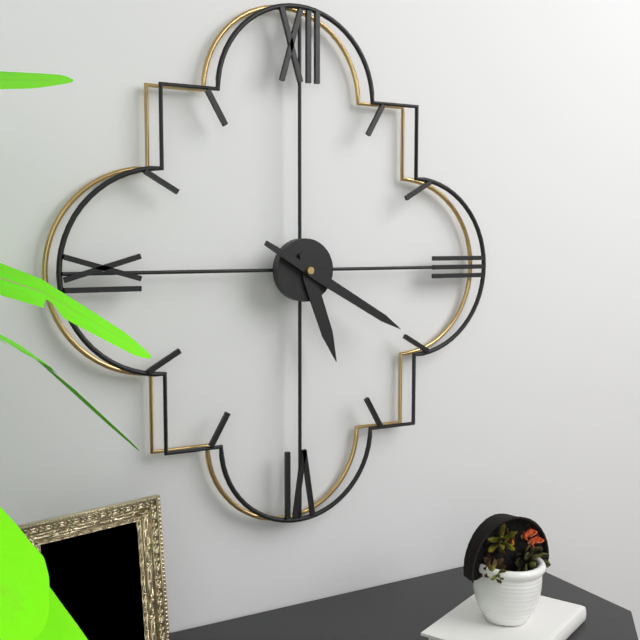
5:20
